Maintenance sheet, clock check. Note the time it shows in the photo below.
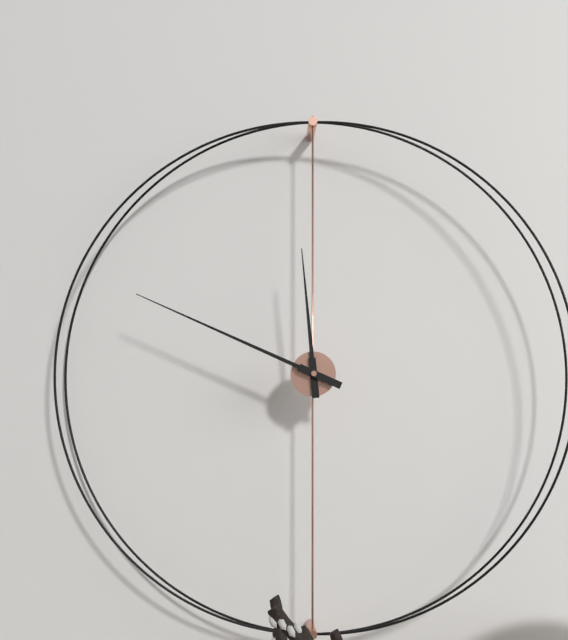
11:49
